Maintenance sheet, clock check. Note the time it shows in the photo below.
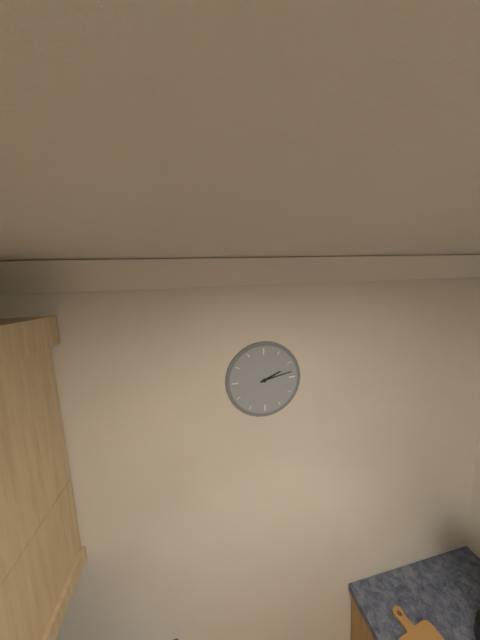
2:13
